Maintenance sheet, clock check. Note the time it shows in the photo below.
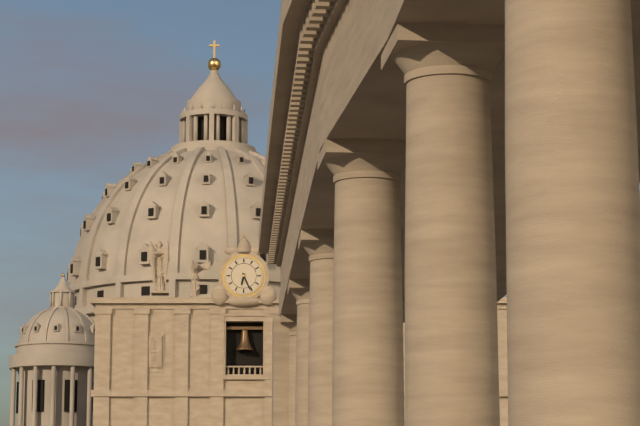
6:26
